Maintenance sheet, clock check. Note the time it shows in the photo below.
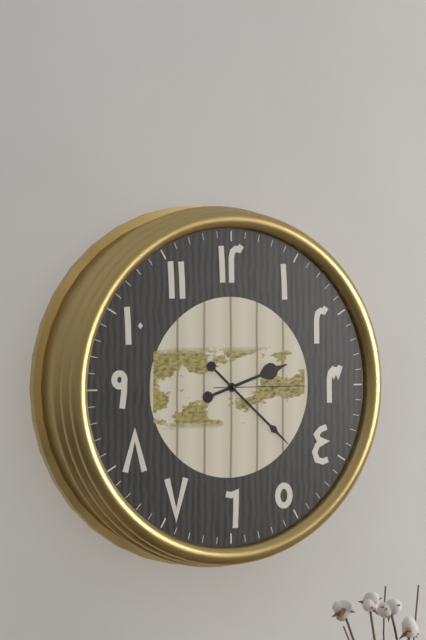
2:22:15
